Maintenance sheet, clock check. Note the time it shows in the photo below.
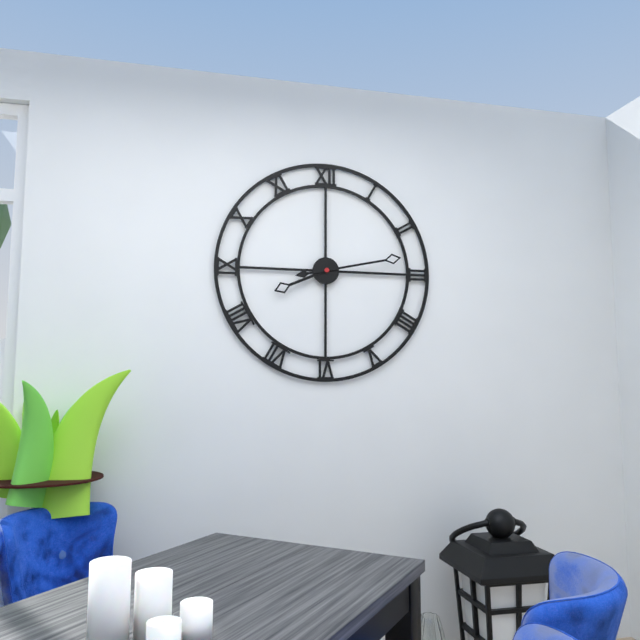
8:13
